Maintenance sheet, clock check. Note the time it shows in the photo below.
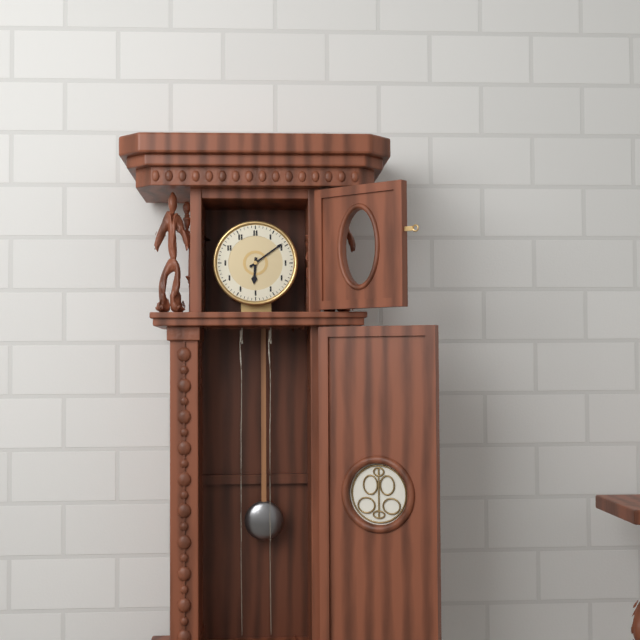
6:09
